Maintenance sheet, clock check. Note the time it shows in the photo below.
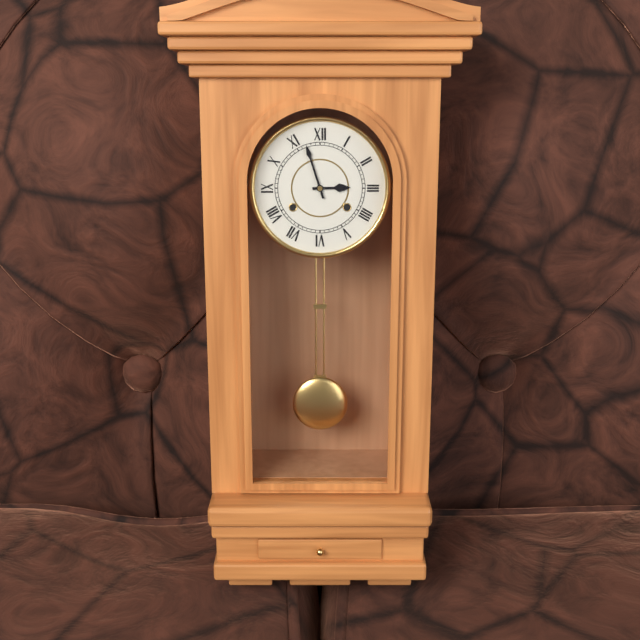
2:57
